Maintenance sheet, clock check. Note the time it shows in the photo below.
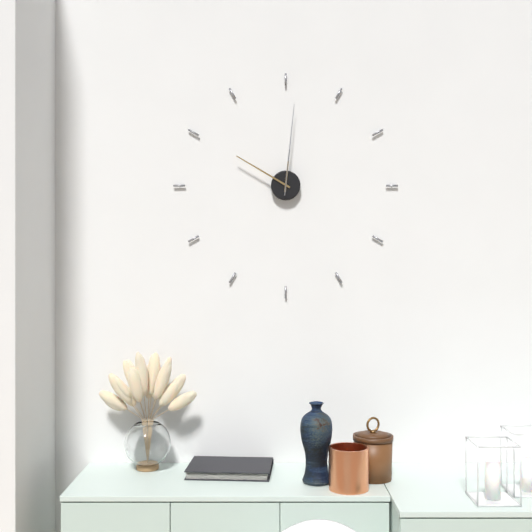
10:01
